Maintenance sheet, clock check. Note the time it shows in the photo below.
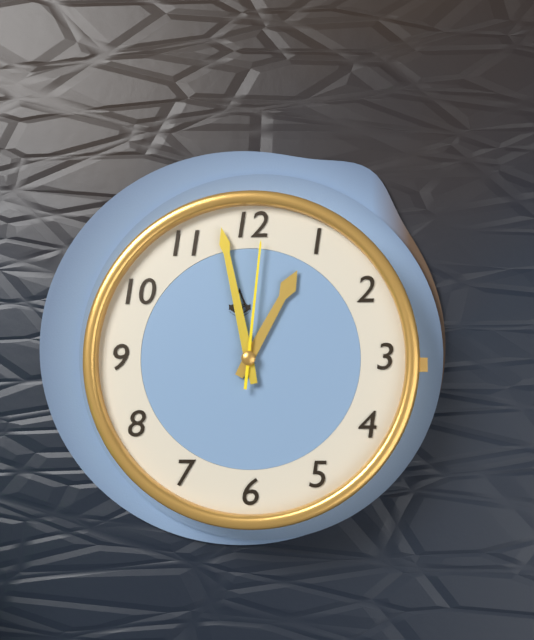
12:58:01
